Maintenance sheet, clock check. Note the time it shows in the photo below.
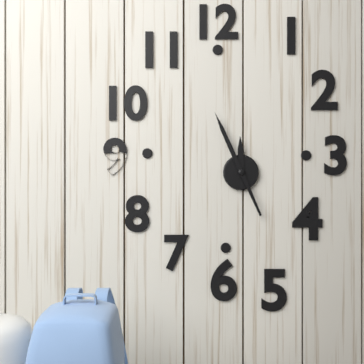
11:56
